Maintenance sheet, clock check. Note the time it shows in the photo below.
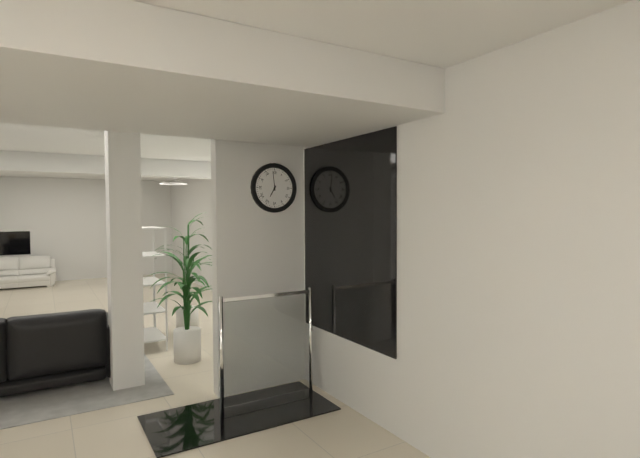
6:59
